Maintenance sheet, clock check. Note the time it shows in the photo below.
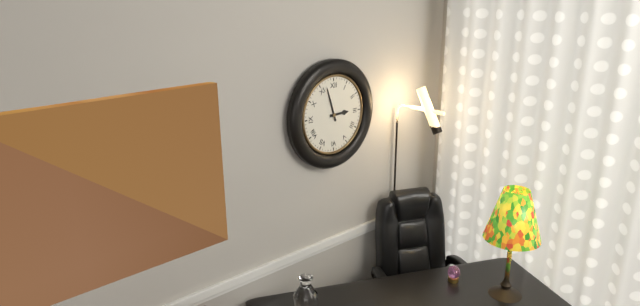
2:57
